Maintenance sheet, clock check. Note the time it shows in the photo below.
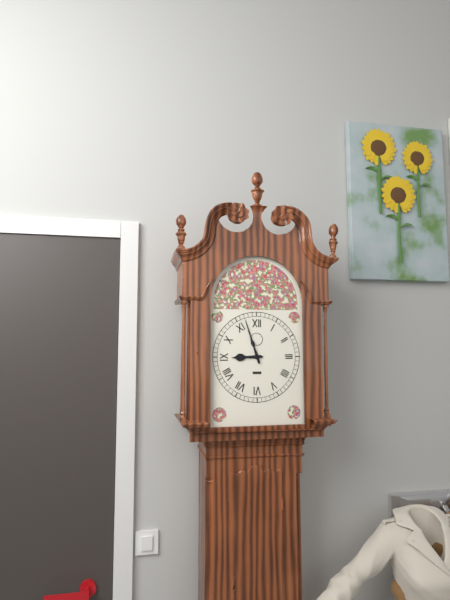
8:57
